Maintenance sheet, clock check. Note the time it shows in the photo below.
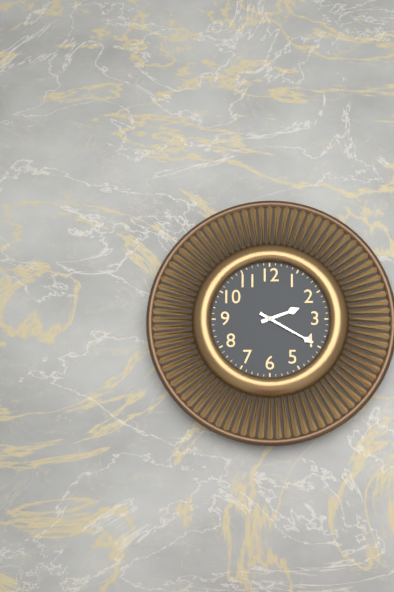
2:20
